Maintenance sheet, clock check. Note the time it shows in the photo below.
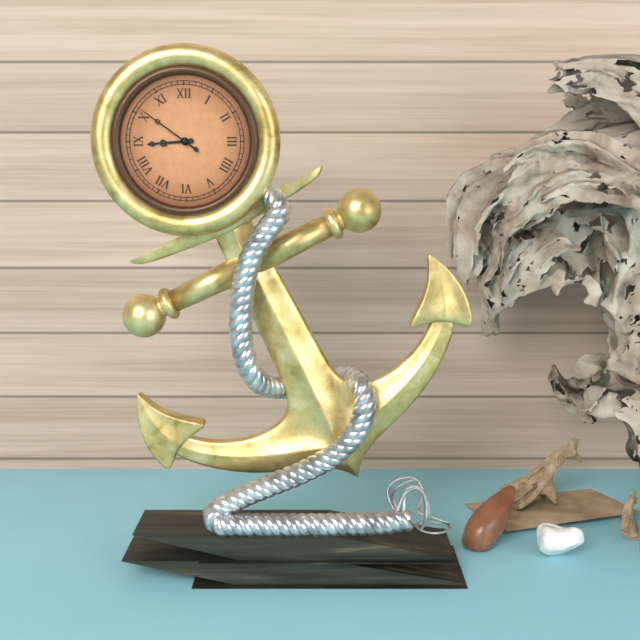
8:51
